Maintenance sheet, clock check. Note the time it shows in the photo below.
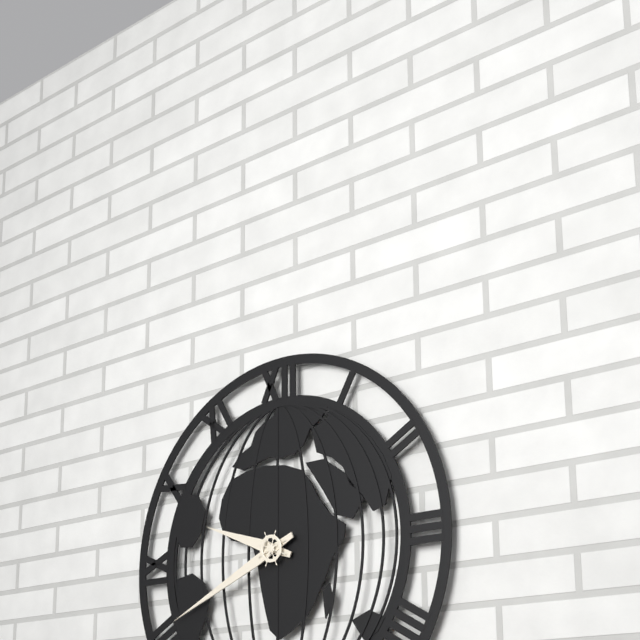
9:41
